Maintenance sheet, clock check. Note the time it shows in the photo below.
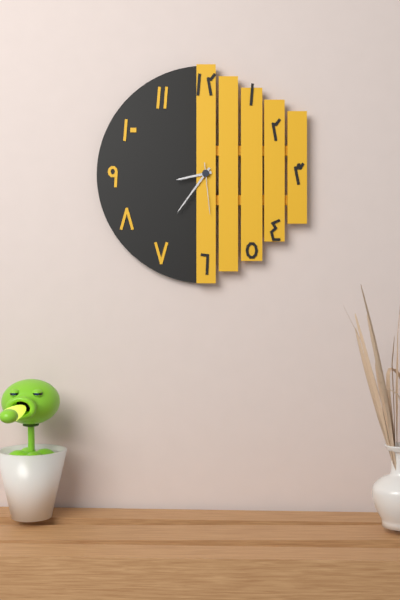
8:36:29
